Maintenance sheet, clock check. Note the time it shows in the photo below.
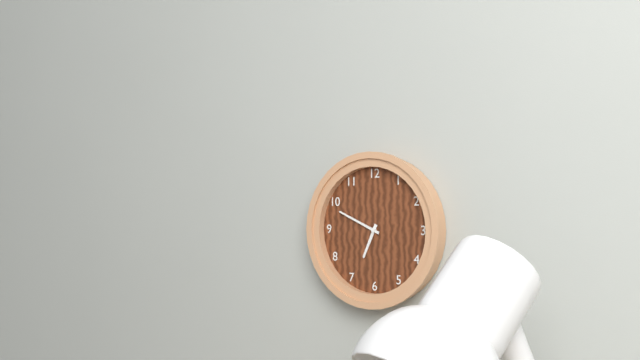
6:49
